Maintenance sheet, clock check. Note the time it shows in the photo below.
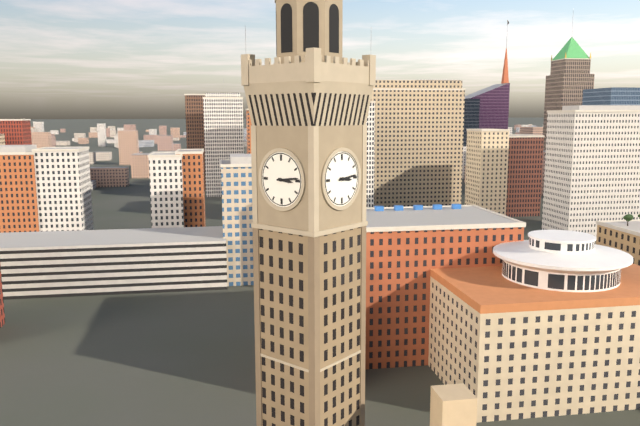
3:14
